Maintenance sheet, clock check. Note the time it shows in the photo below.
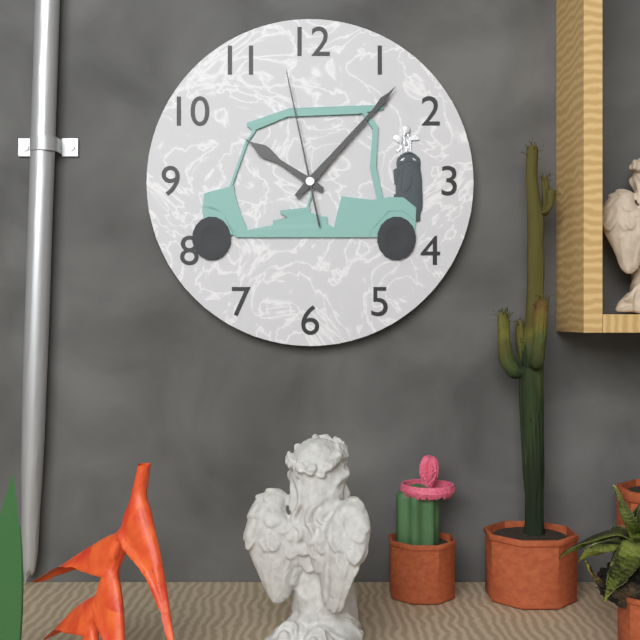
10:07:58
